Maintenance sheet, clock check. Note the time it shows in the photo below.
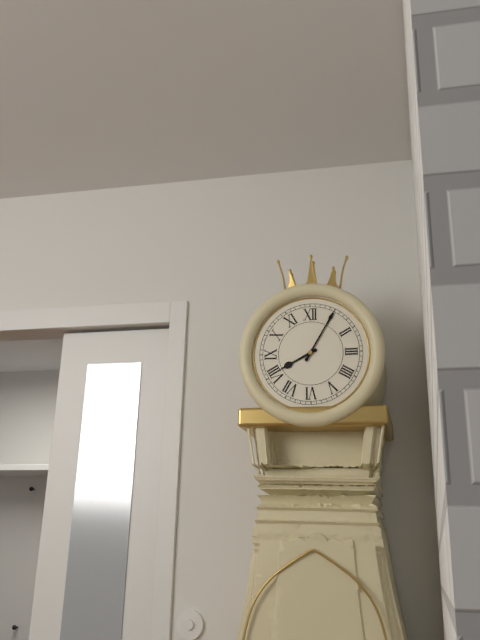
8:05
